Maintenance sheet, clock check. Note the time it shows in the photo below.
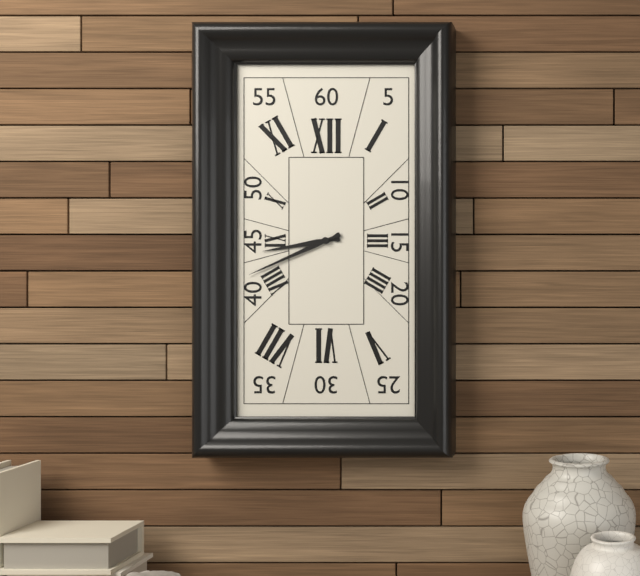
8:41
